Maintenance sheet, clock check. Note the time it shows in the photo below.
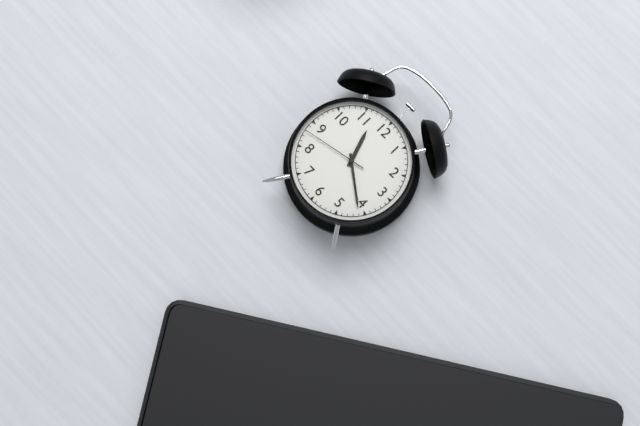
11:21:43
